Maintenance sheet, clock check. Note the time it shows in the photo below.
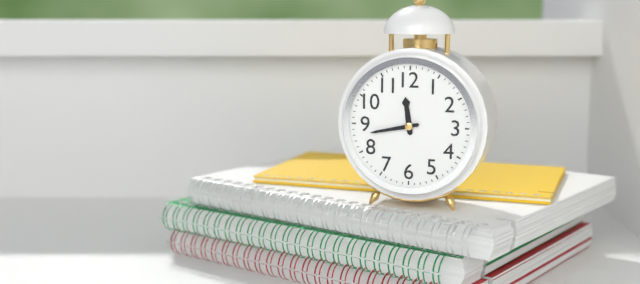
11:43
